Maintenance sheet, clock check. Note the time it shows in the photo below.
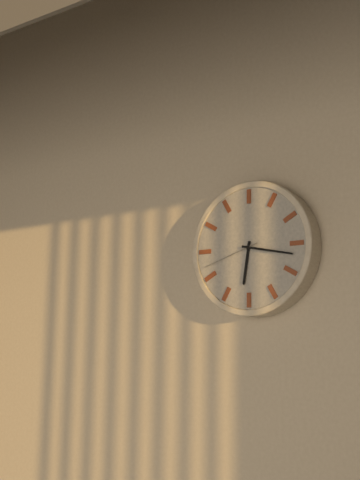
6:17:42
